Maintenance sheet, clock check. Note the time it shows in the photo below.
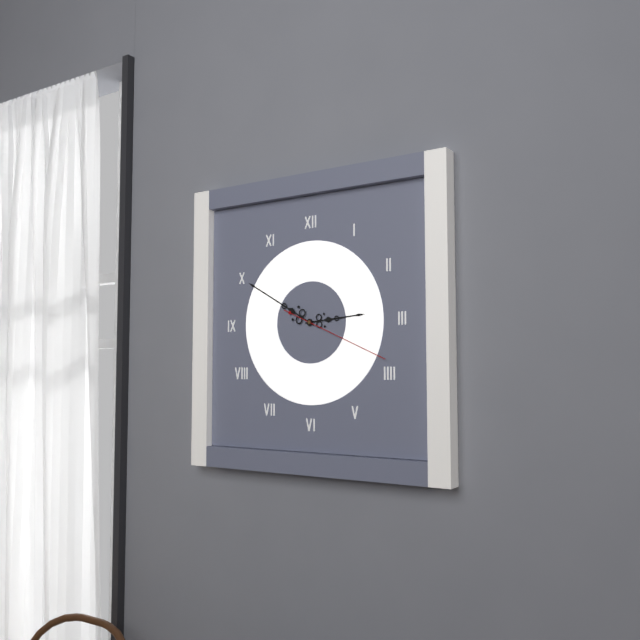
2:50:19
